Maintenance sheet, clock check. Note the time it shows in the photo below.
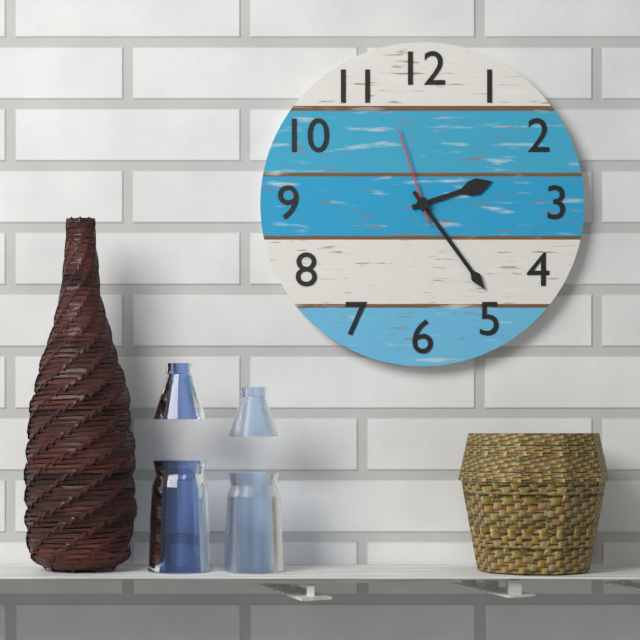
2:24:57
